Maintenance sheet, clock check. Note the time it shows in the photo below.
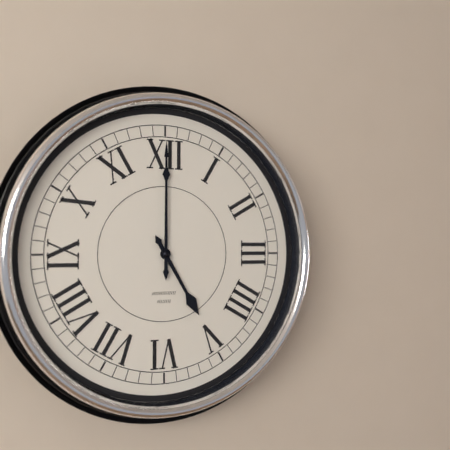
5:00
